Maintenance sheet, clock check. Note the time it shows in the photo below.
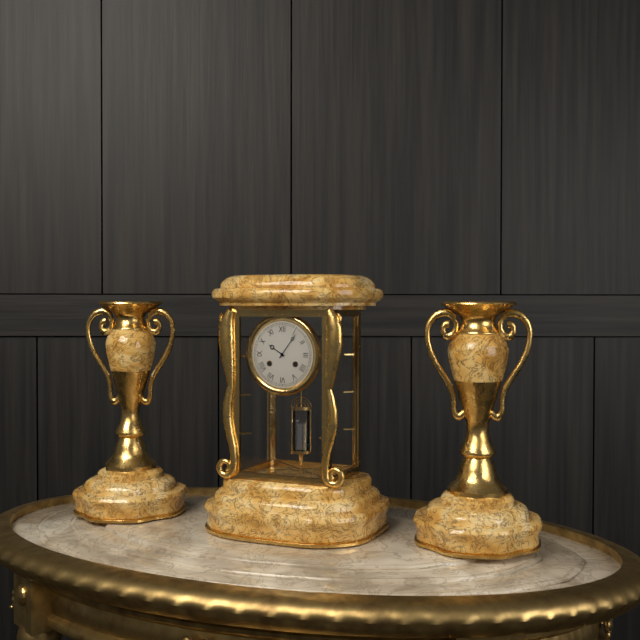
10:06
